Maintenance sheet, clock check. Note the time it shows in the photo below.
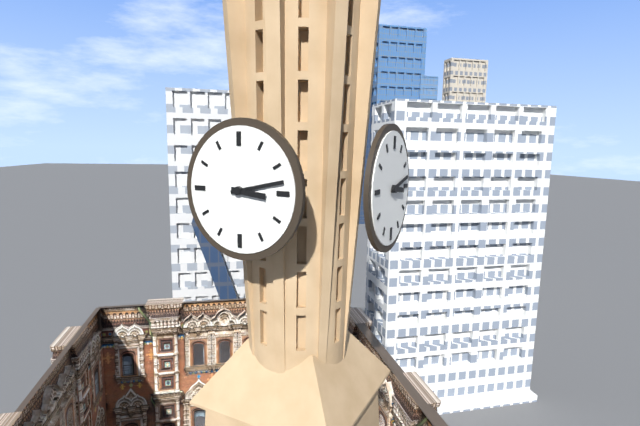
3:13
